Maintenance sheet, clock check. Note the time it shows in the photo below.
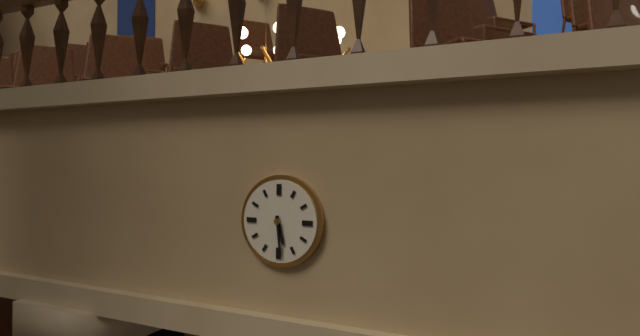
5:29
